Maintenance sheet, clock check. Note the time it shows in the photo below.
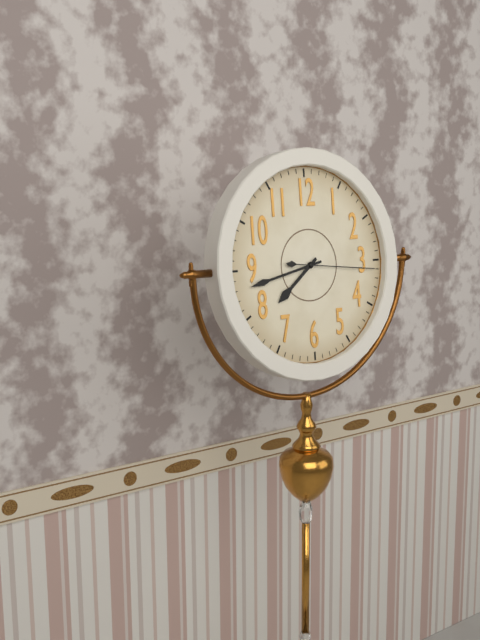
7:43:16
